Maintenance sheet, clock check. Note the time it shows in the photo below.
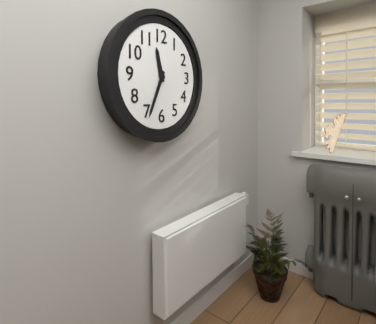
11:34
